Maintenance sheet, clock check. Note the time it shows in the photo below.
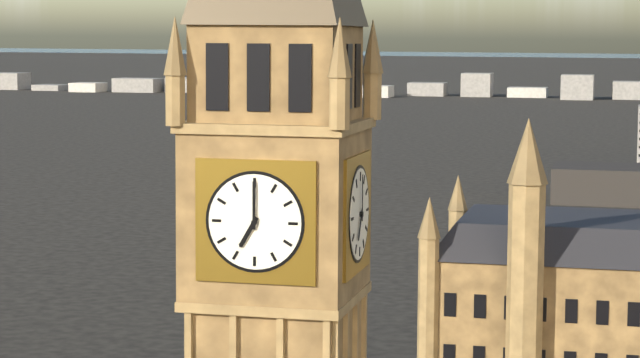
7:00
